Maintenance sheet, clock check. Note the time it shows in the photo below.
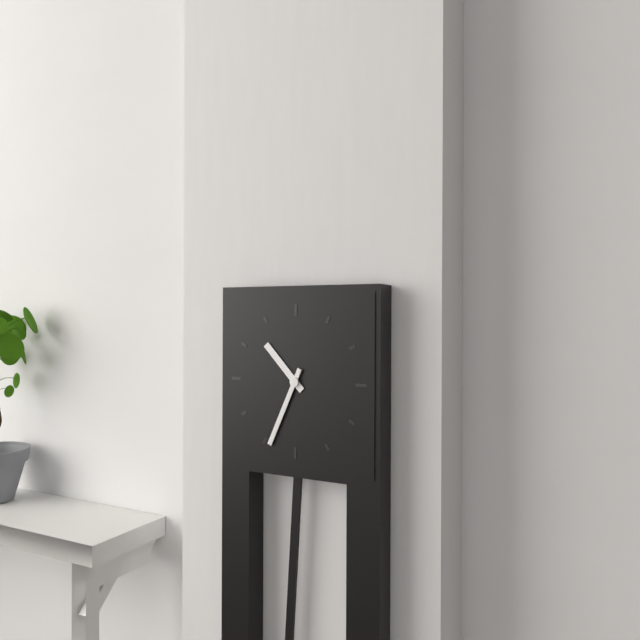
10:34
